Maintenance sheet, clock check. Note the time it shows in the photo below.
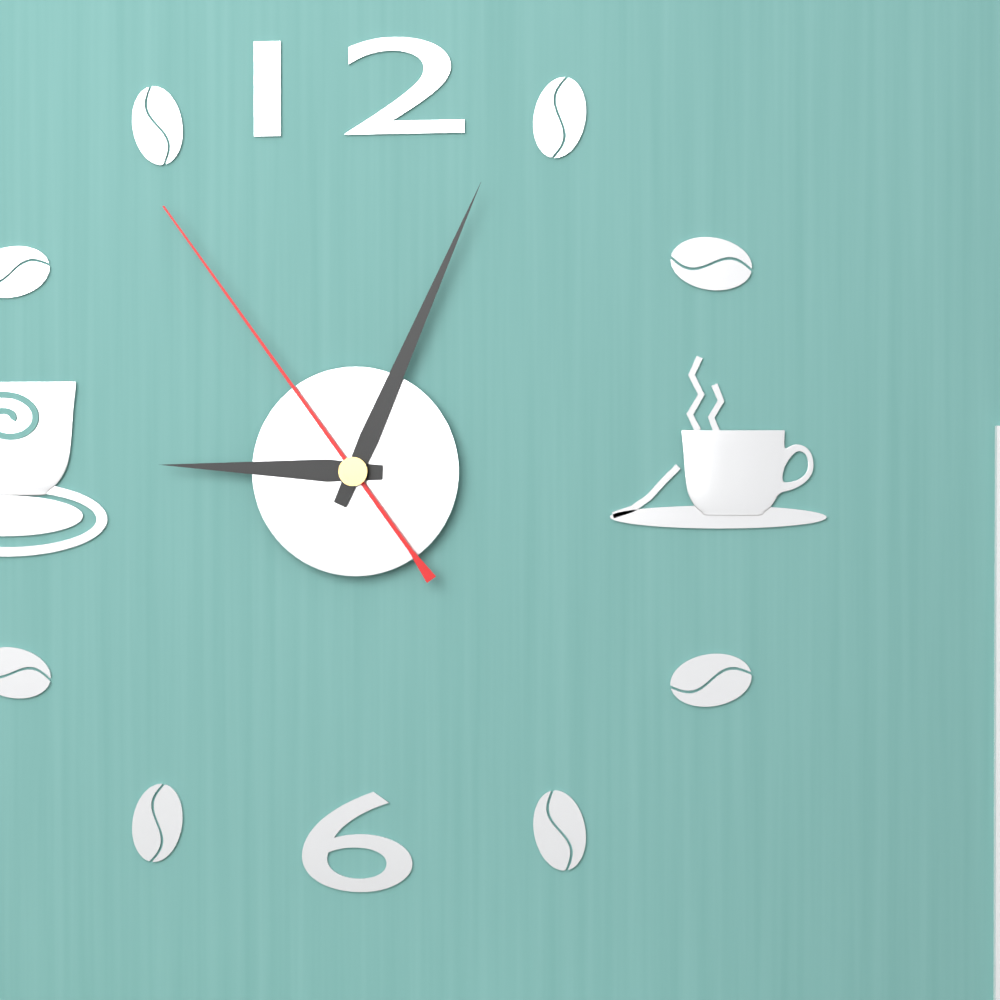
9:04:54
